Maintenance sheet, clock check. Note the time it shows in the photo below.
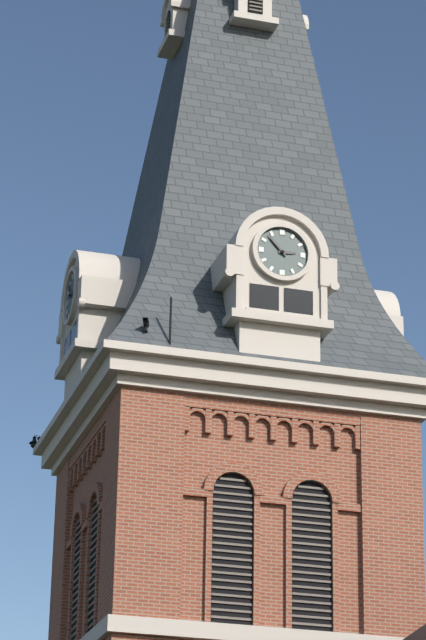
2:53
